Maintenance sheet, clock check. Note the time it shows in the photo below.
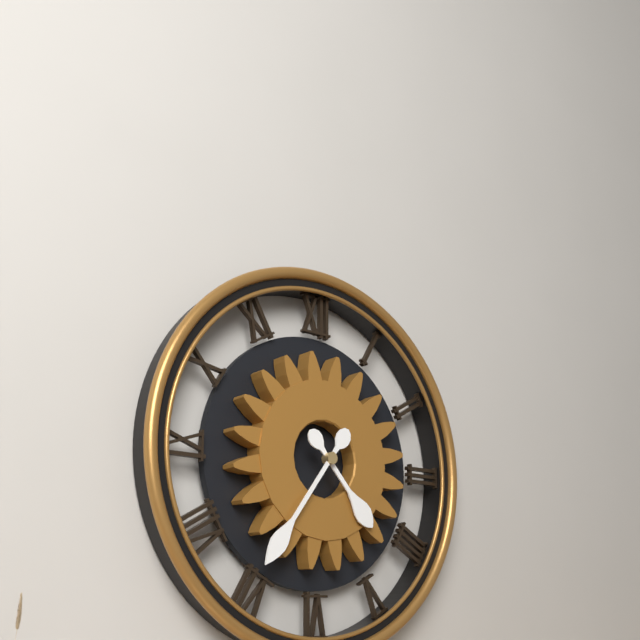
4:36
